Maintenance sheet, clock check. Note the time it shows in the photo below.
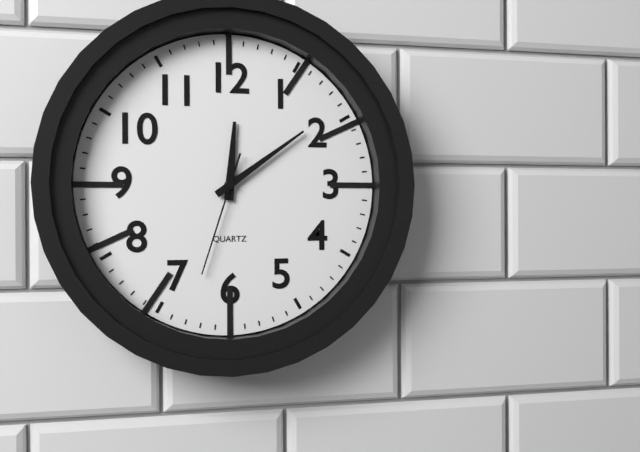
12:09:33
